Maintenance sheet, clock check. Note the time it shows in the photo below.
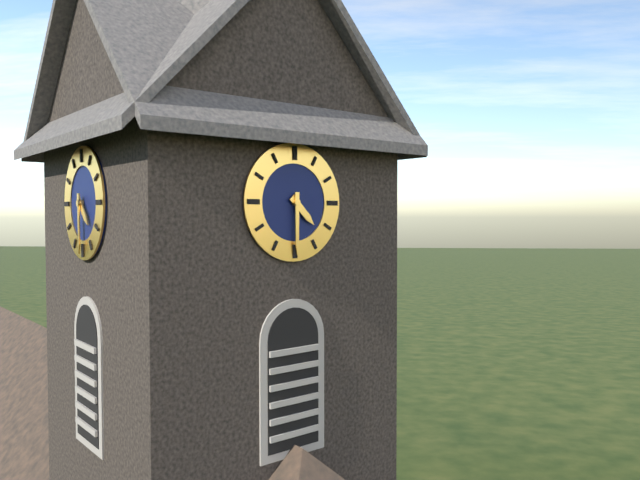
4:30
